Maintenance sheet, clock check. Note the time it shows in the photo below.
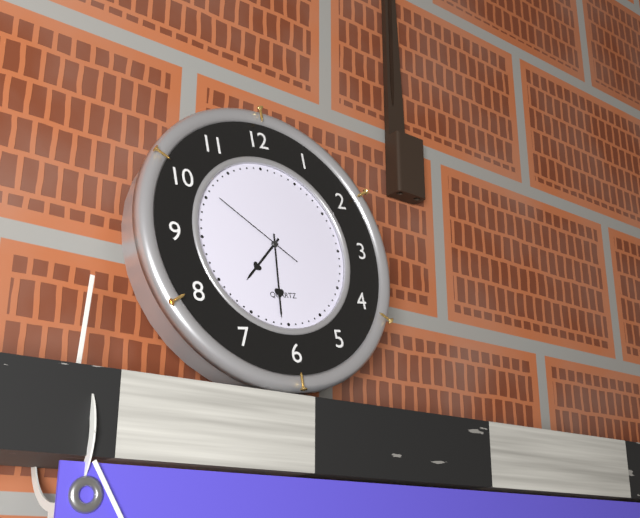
7:31:51
